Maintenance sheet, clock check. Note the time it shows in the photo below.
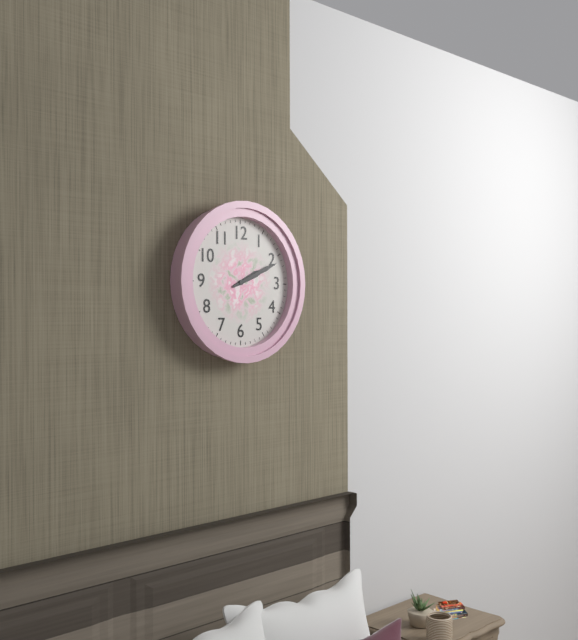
2:11
